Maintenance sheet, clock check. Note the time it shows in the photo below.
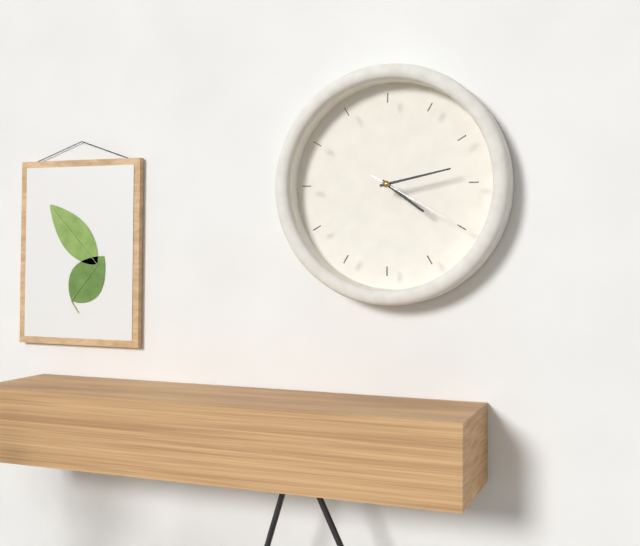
4:13:20
